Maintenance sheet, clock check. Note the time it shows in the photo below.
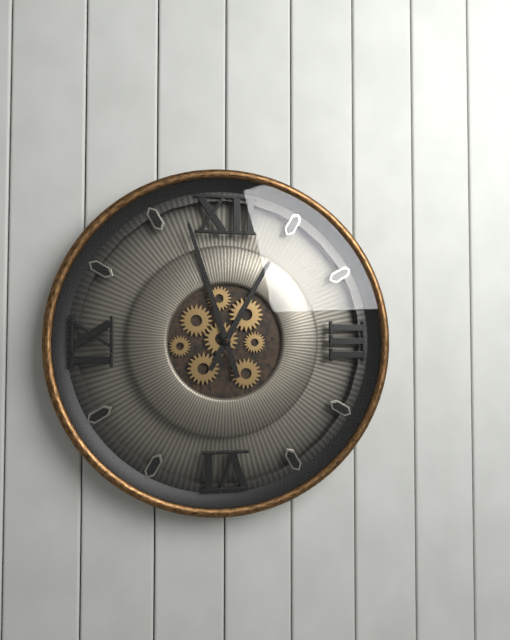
12:57
